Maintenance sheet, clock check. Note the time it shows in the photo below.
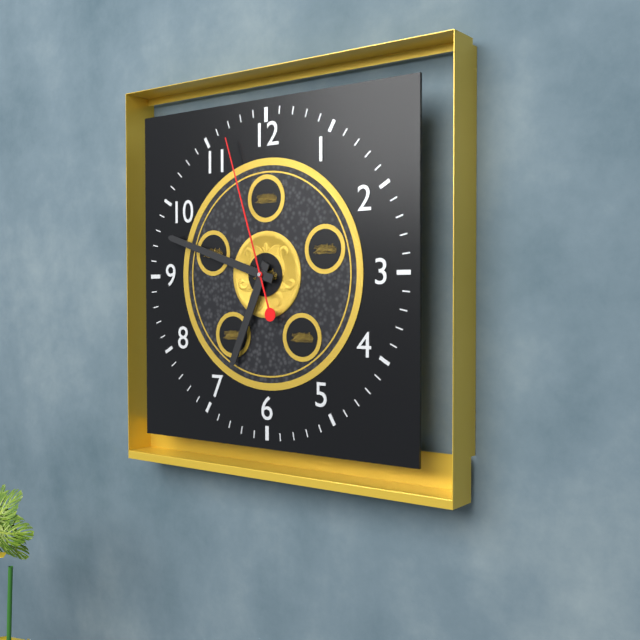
6:48:57
